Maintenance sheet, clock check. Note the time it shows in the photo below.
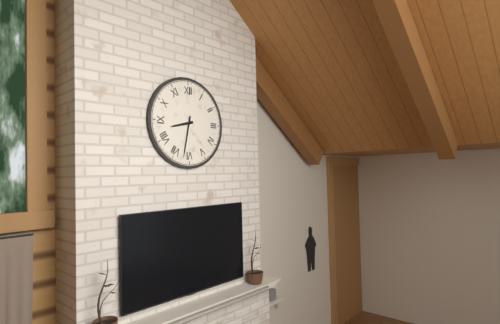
8:32
